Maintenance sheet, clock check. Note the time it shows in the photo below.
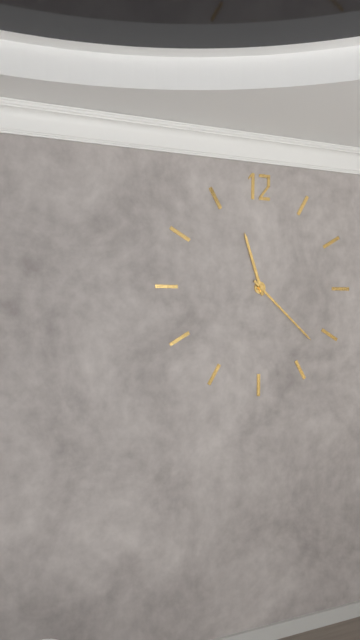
11:22
